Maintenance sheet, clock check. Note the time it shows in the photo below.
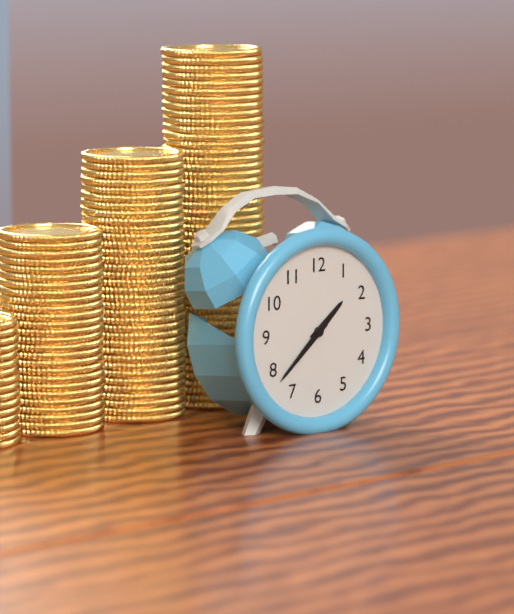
1:38
